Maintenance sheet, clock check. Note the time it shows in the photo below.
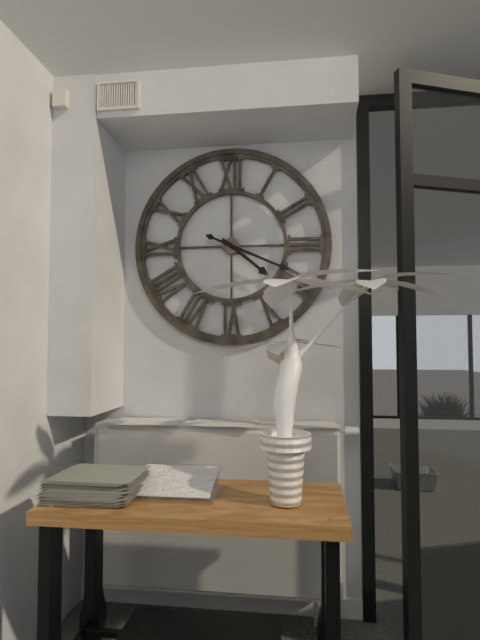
4:19
